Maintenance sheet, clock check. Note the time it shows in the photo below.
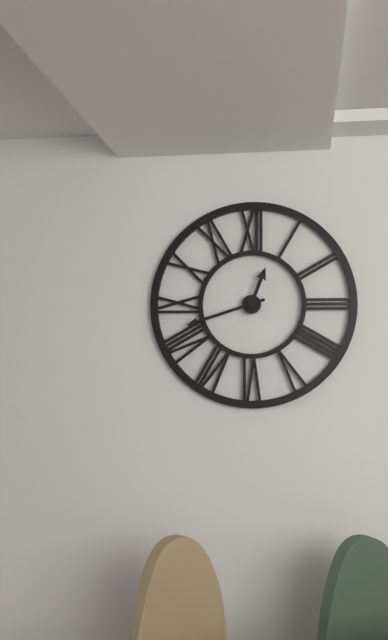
12:42
